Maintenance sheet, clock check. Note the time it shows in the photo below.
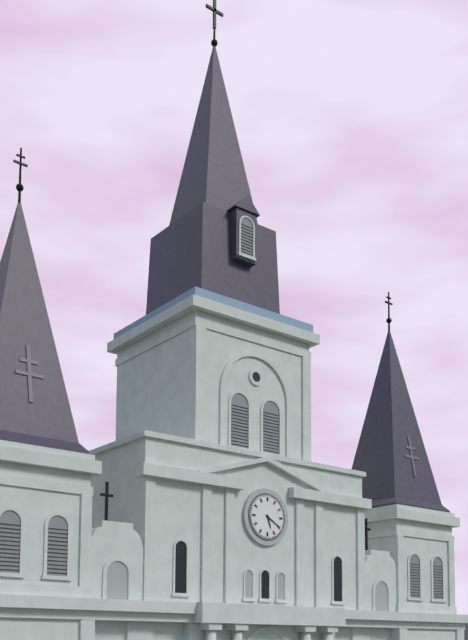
5:20
